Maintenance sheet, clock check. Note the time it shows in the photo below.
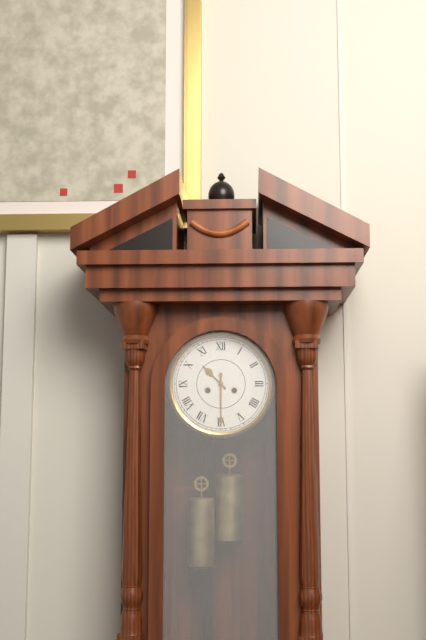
10:30
